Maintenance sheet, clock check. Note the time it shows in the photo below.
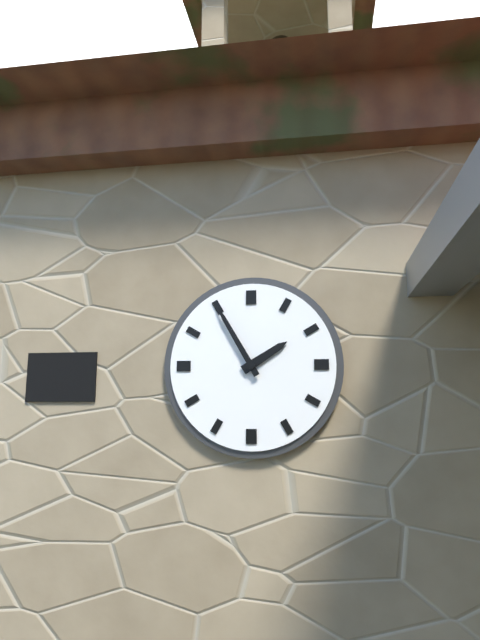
1:55
